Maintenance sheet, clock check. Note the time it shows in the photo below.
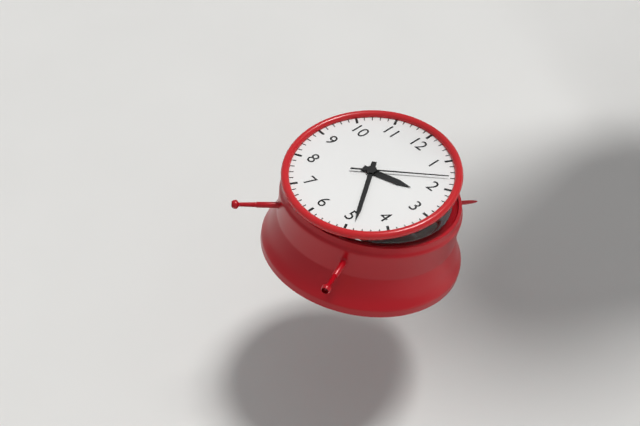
2:24:08
